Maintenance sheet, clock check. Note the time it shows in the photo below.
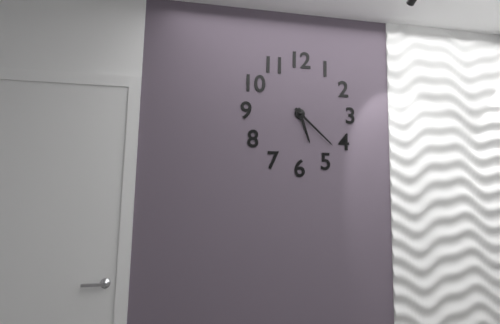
5:22
